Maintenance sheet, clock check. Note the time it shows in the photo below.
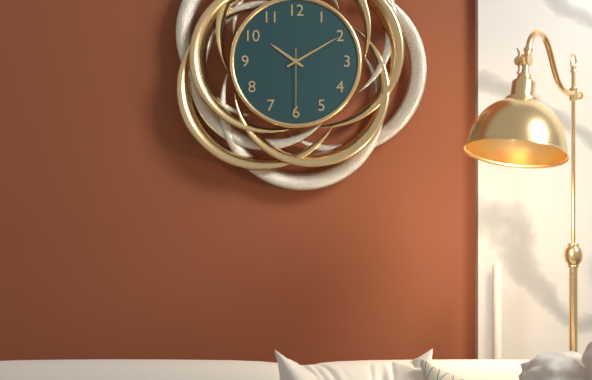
10:10:30
